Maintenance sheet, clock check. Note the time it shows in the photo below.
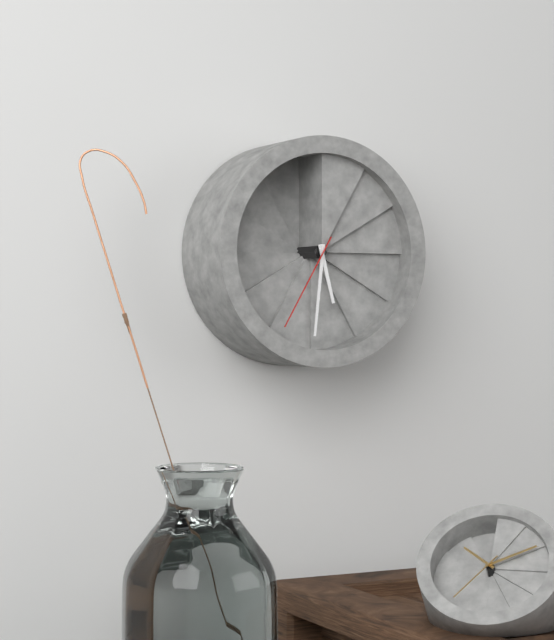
5:31:35
